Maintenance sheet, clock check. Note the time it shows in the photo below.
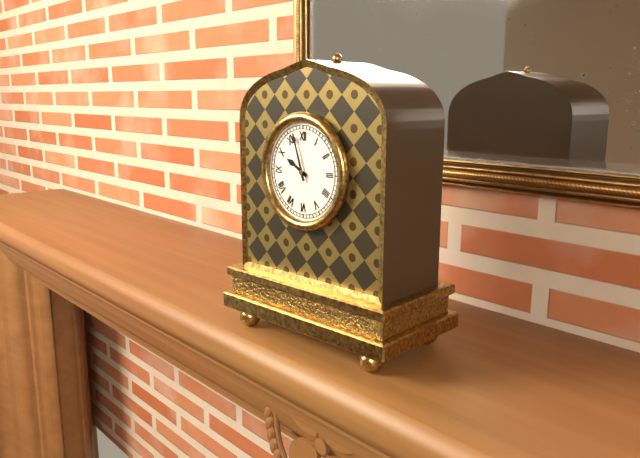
9:57
